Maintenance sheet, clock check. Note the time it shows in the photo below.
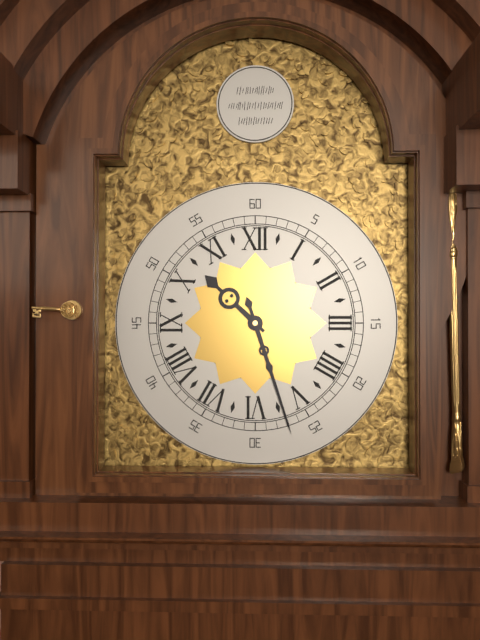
10:27
